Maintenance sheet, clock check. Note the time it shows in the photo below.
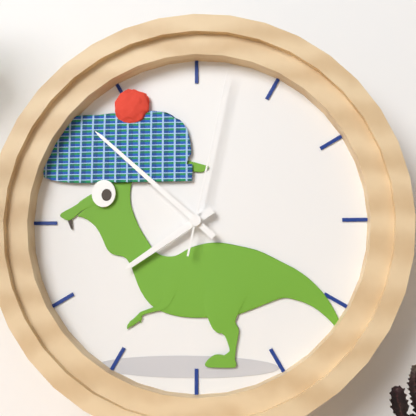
7:52:02
